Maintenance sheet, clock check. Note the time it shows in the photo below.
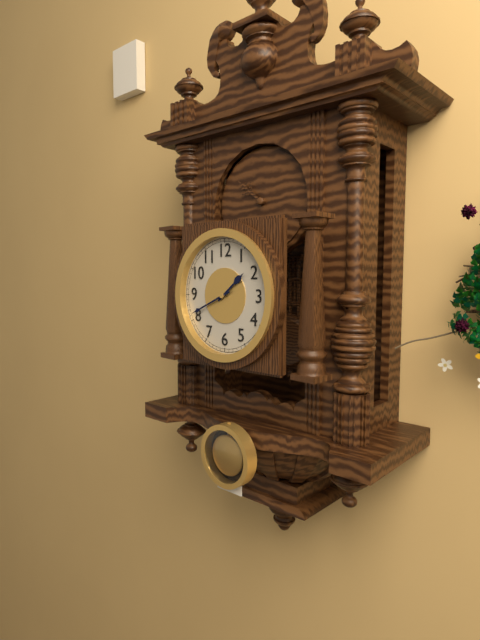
1:41
